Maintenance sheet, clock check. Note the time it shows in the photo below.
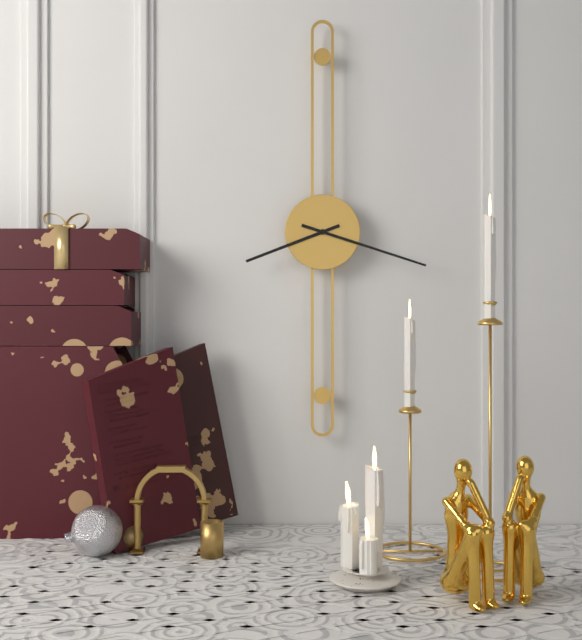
8:18
